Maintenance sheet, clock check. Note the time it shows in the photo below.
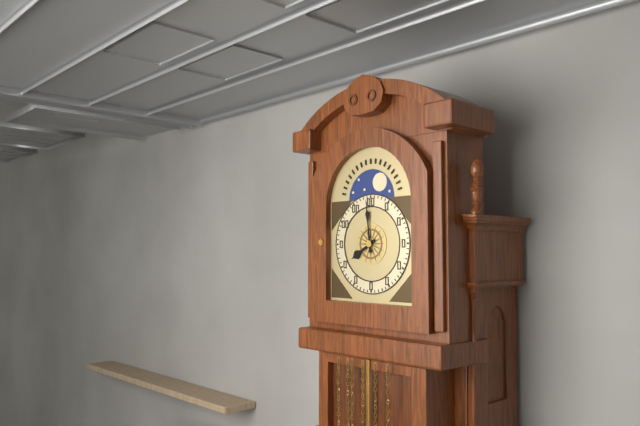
7:59
